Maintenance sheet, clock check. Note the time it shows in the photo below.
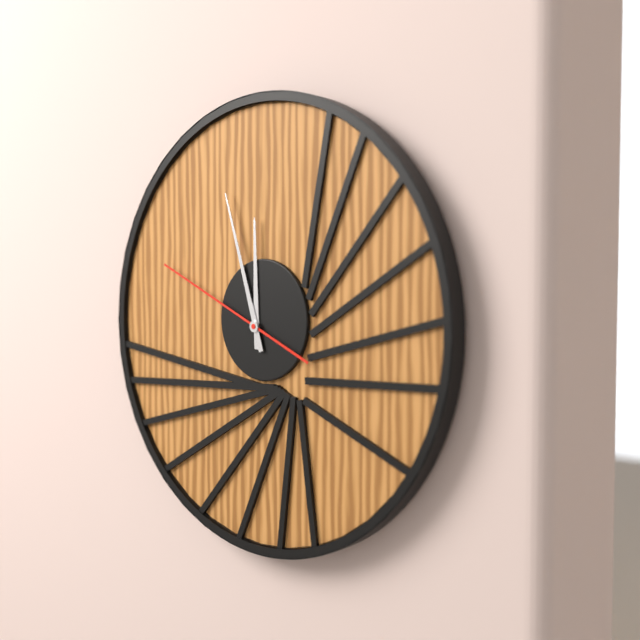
11:57:49
